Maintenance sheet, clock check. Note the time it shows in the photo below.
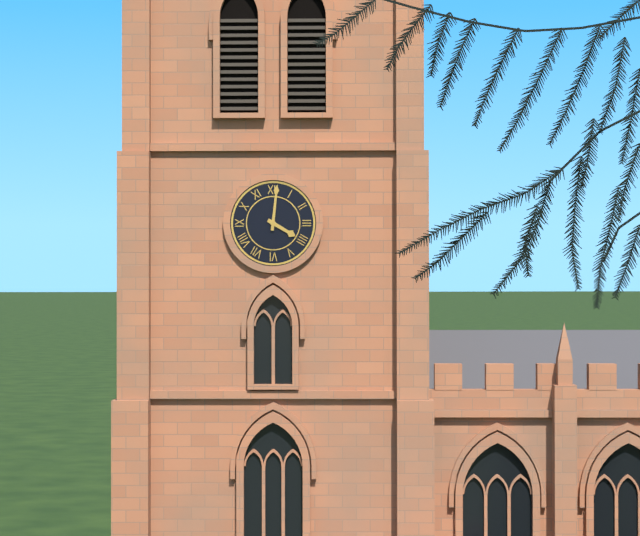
4:01
